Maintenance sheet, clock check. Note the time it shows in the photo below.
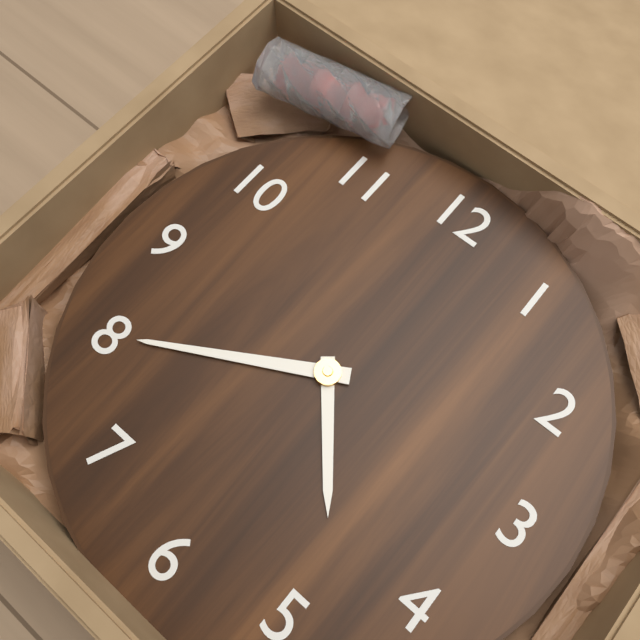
4:40
